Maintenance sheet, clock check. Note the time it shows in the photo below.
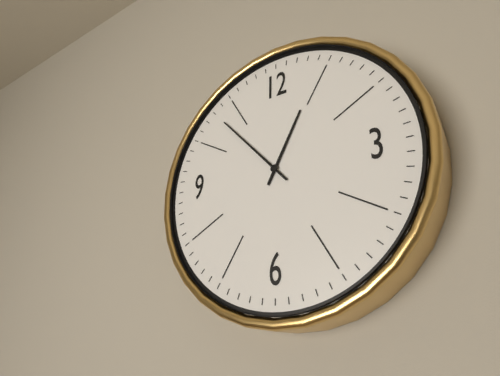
12:53
